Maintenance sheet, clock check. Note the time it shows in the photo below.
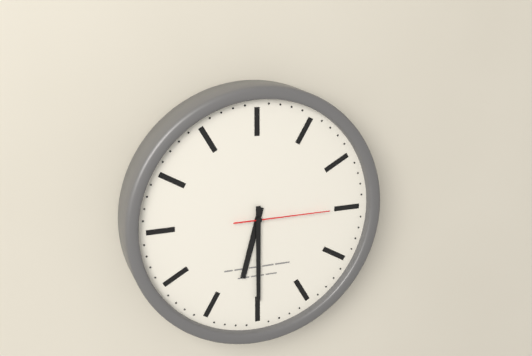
6:30:15
